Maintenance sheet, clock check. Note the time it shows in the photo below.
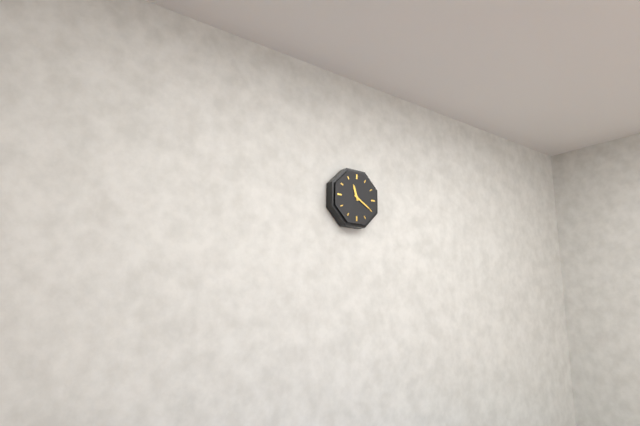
11:20
